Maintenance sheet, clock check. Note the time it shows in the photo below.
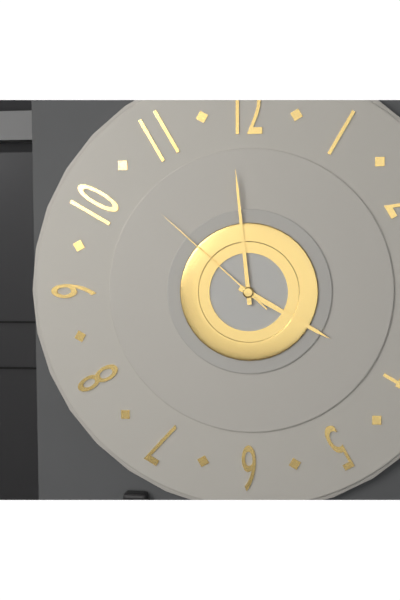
3:59:52
